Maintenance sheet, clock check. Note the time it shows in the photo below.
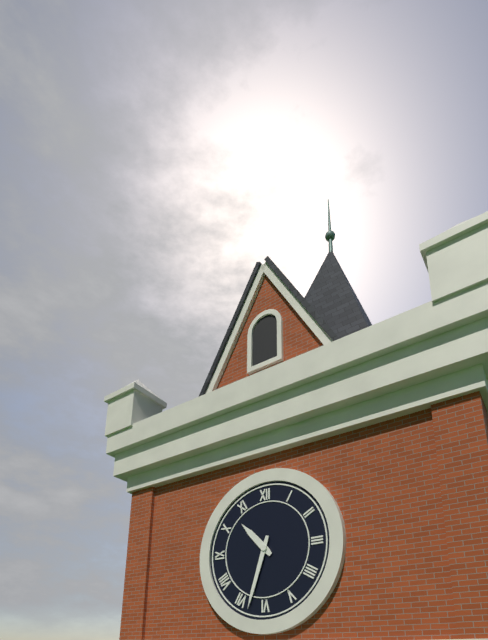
10:33
